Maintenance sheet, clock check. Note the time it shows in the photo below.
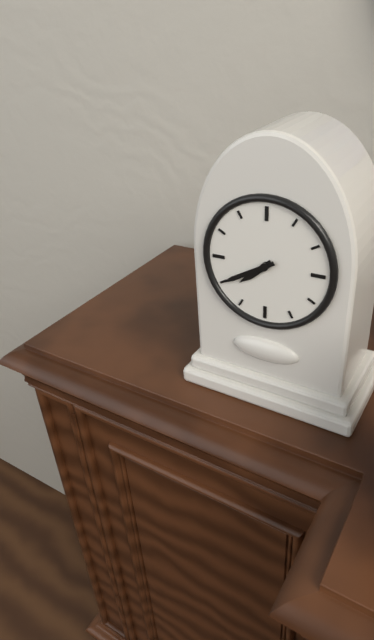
7:40
